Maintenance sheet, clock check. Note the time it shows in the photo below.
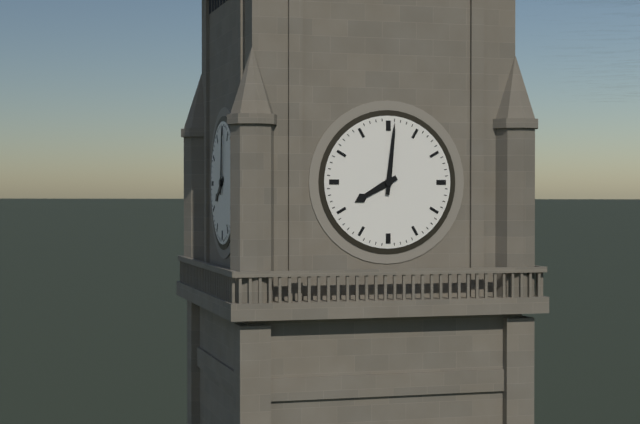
8:01
